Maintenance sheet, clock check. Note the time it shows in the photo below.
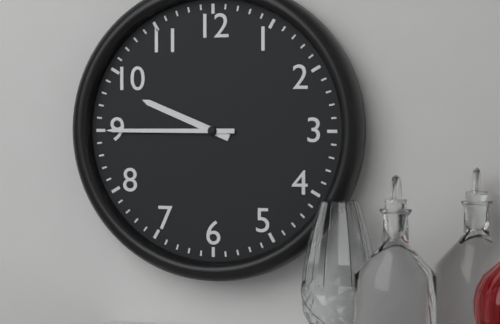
9:45
